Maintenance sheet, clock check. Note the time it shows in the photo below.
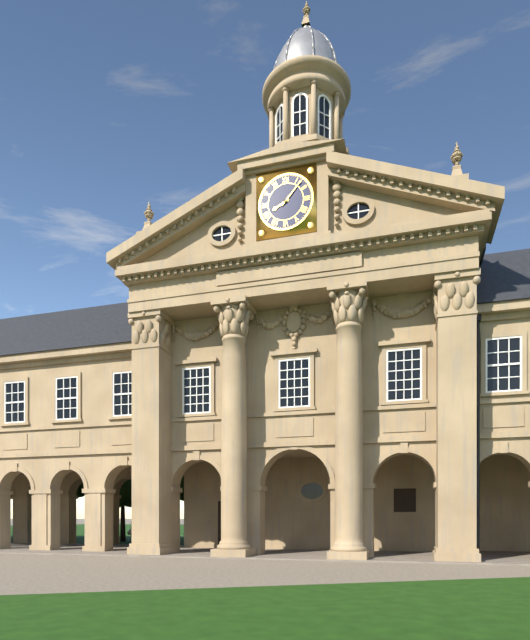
8:07
